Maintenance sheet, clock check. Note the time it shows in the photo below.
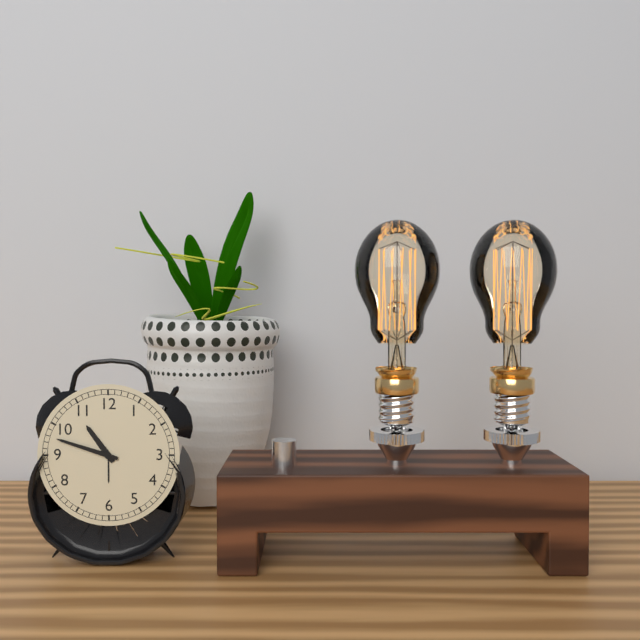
10:48
